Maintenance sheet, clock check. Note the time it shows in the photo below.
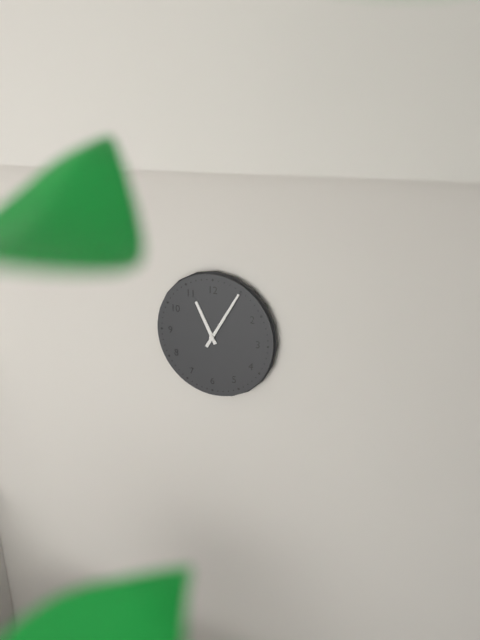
11:05
